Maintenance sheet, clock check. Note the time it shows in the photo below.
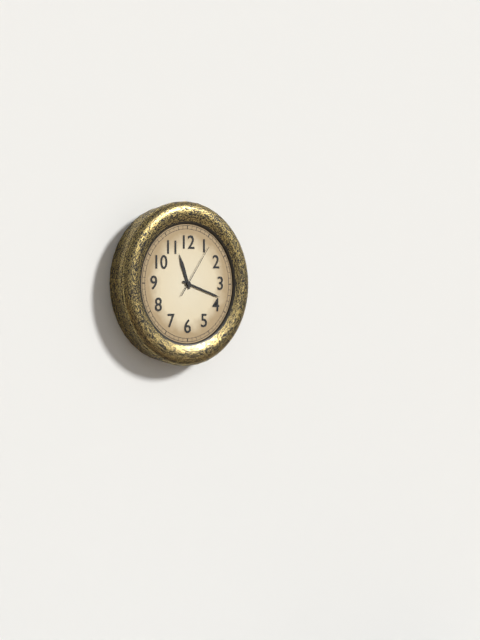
11:18:06
